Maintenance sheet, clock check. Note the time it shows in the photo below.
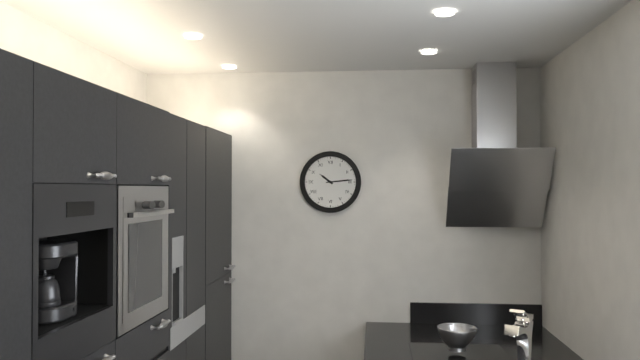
10:14
